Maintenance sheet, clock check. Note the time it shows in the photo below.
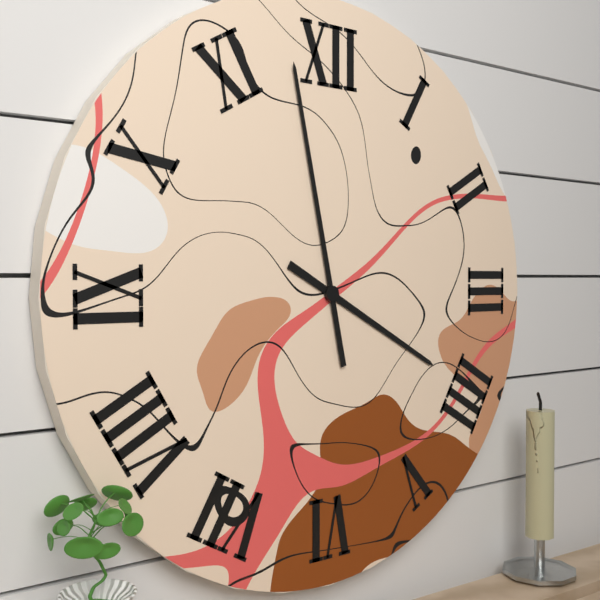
3:58
